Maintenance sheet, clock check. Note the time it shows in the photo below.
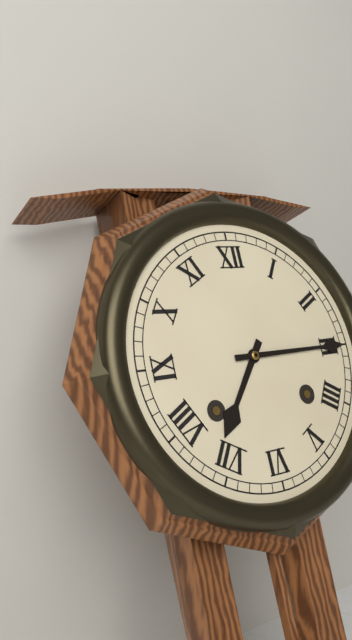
7:15
